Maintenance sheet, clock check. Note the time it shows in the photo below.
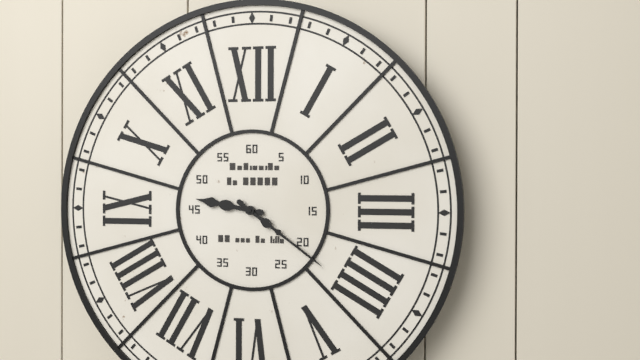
9:21
